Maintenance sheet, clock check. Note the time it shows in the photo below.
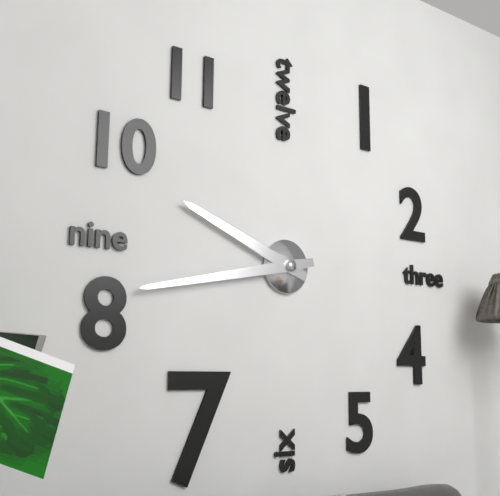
9:43
